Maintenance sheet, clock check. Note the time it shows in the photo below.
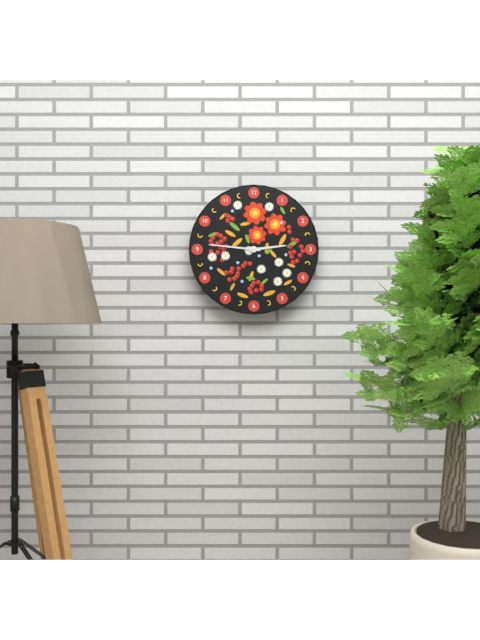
2:46
